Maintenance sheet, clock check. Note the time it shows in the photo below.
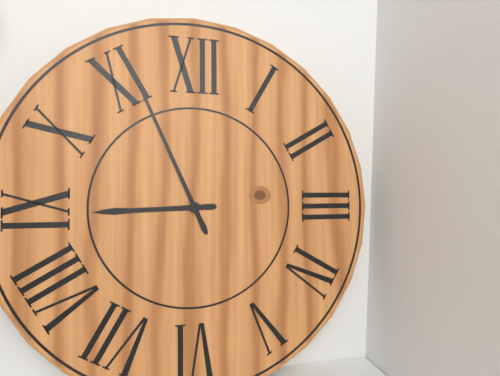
8:56
